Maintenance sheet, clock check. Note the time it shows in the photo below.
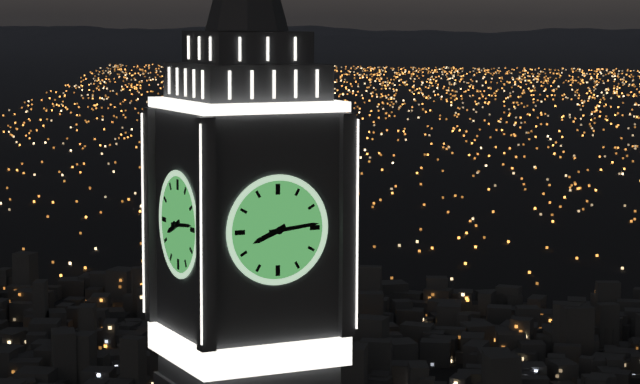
8:14
